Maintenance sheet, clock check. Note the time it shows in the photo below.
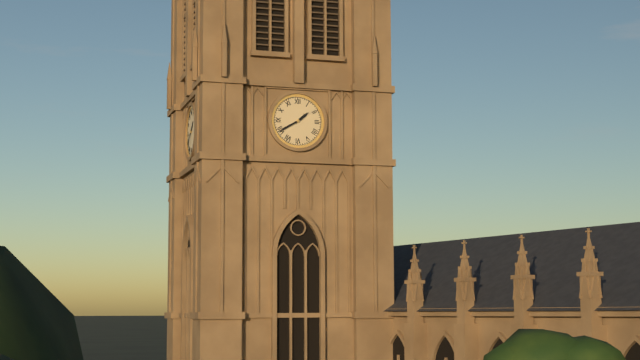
1:40
